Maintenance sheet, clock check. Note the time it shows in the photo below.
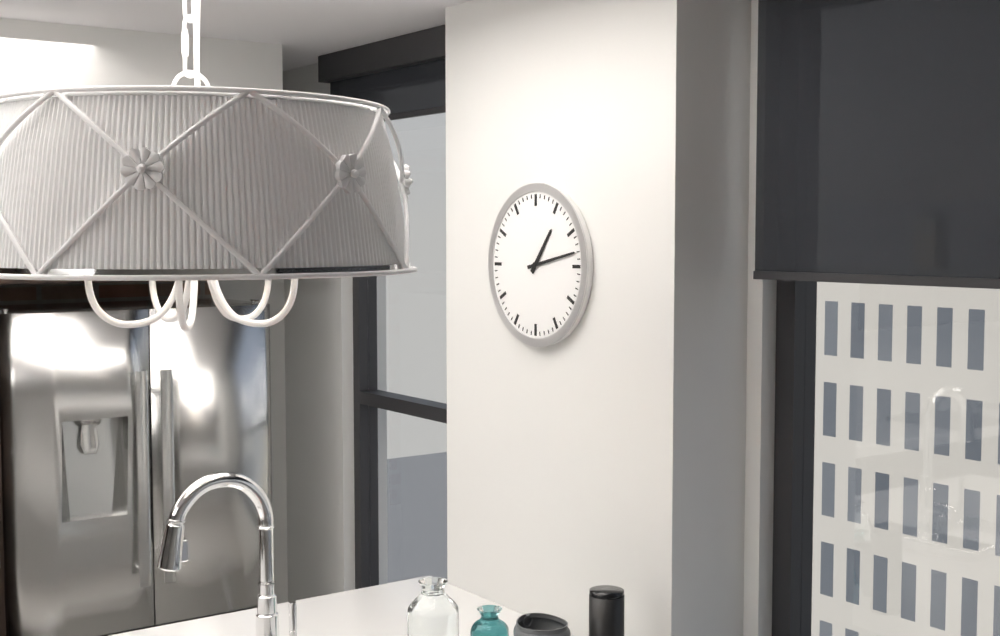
1:13
